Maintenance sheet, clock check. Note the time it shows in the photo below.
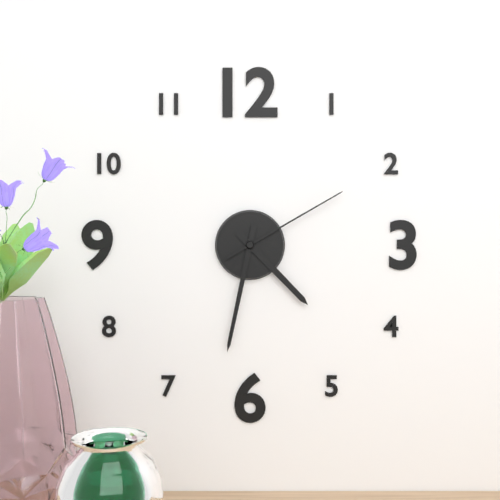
4:32:10
